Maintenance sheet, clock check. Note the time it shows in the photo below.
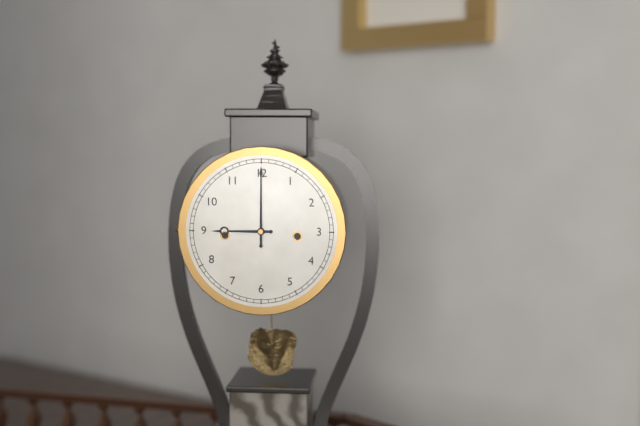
9:00
